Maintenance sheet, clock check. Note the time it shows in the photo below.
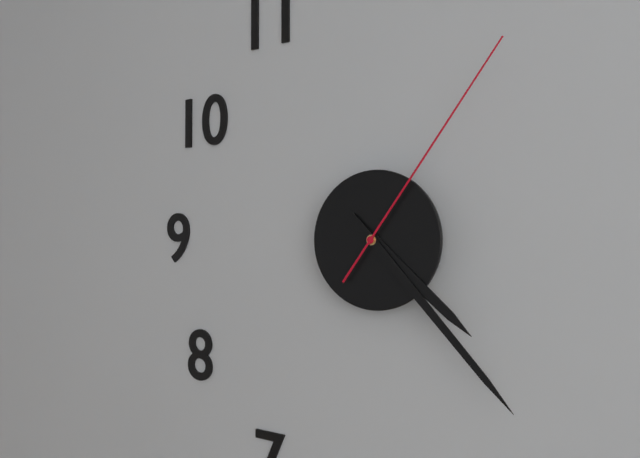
4:23:06
